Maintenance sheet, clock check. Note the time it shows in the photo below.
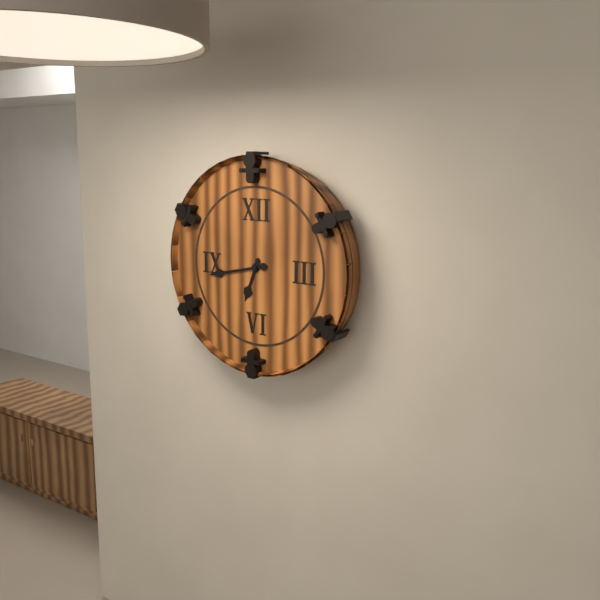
6:43
